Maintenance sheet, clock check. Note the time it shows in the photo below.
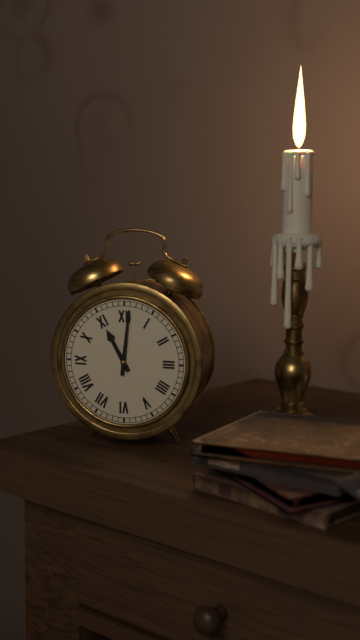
11:01
